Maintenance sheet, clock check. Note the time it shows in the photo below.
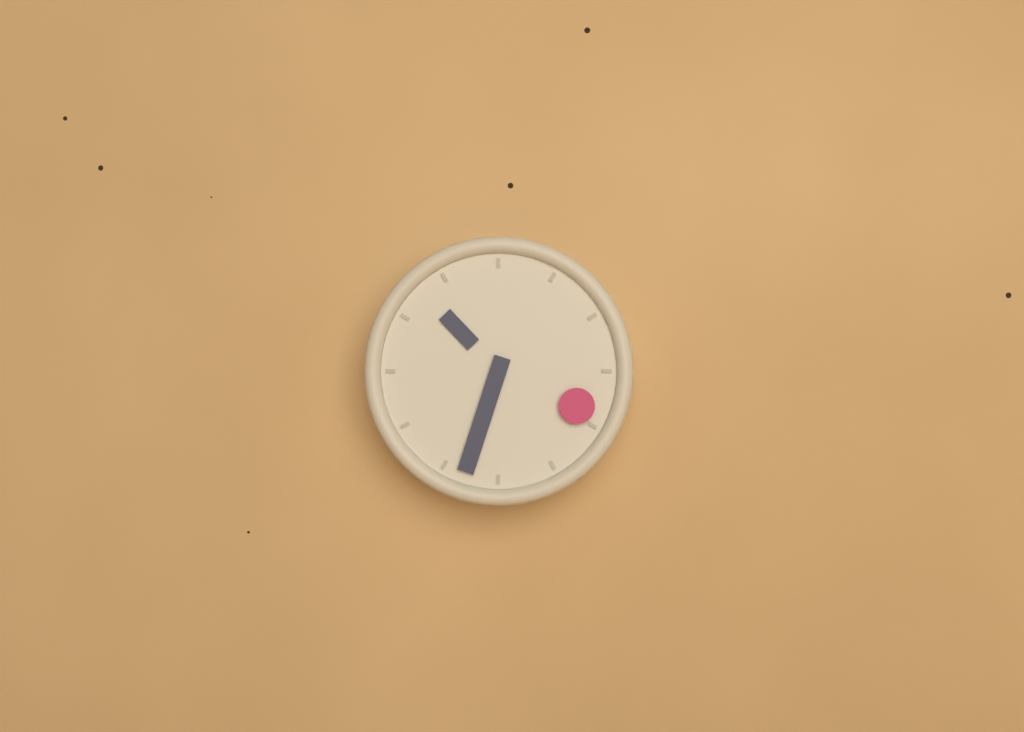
10:33:19
